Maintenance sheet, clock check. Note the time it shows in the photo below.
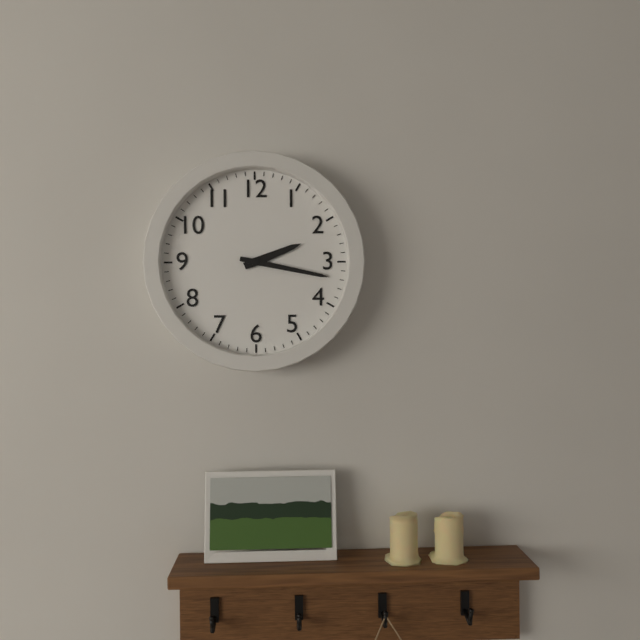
2:17
